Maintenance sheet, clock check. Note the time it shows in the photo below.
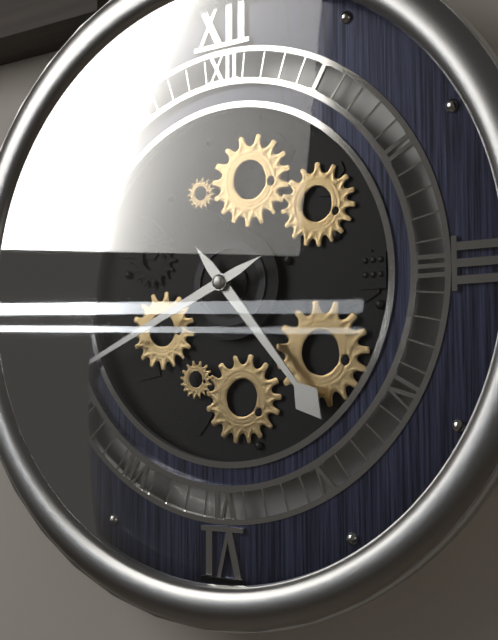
4:41
